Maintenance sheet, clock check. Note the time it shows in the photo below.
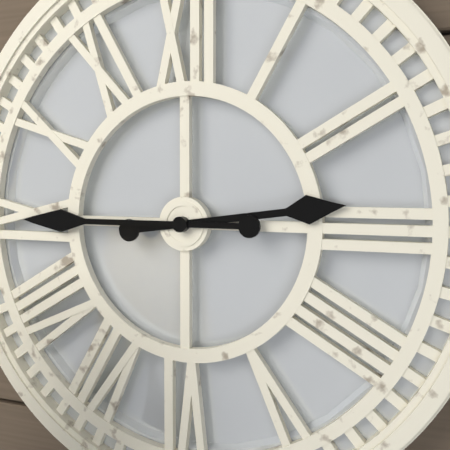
2:45
